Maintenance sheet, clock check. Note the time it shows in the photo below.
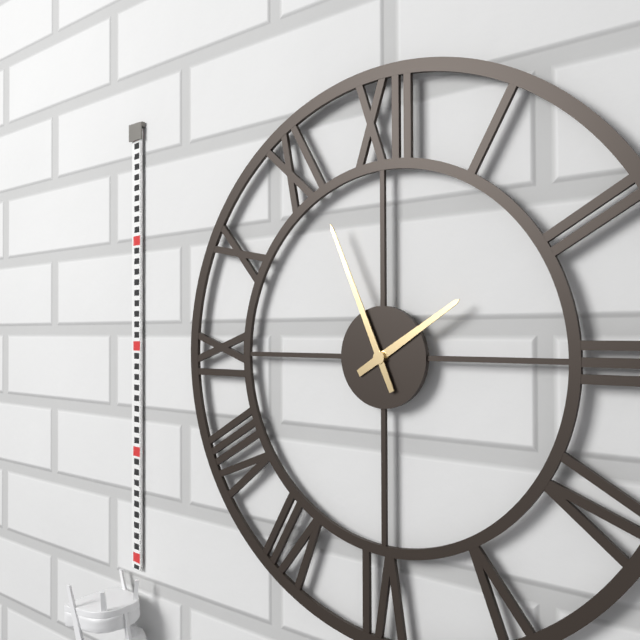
1:56
